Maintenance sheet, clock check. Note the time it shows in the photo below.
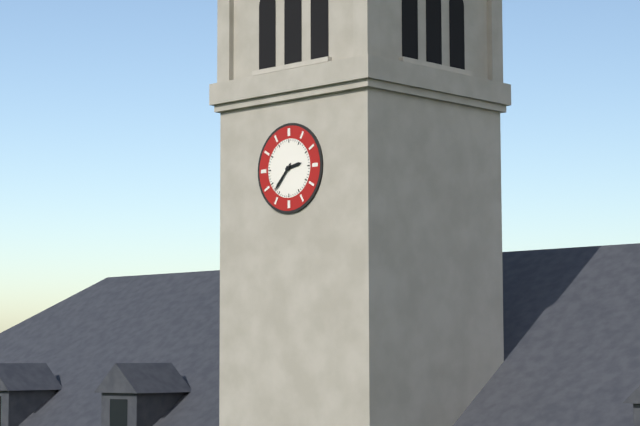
2:37
